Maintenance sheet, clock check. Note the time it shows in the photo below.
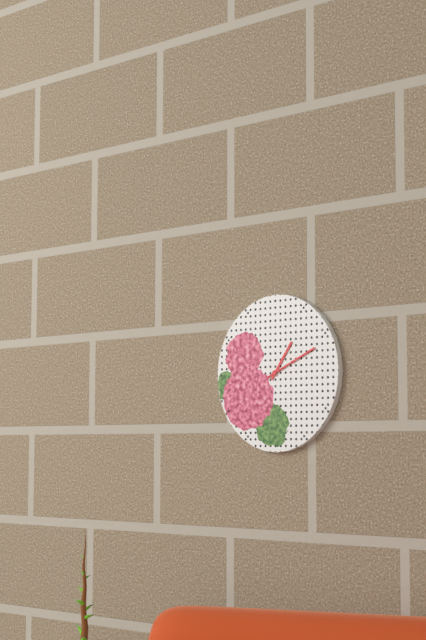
1:11
